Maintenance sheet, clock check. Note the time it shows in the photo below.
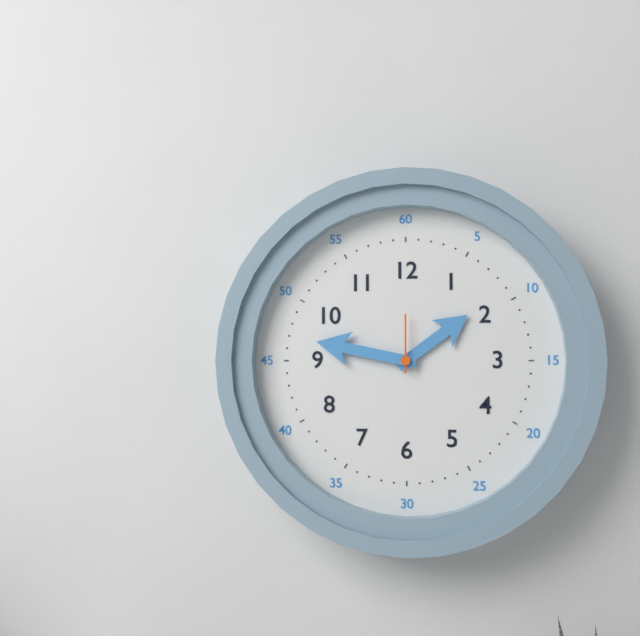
1:47:00
